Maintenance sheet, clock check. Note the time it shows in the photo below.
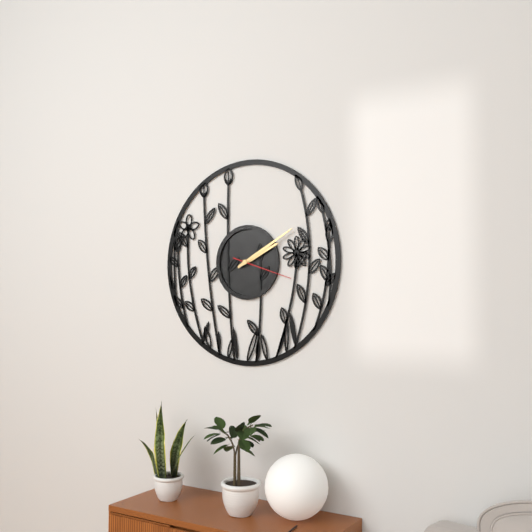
2:10:18
